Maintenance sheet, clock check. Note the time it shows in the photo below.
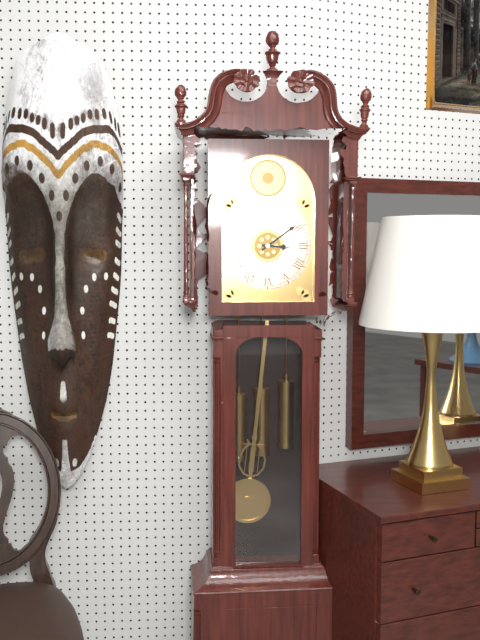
3:09
